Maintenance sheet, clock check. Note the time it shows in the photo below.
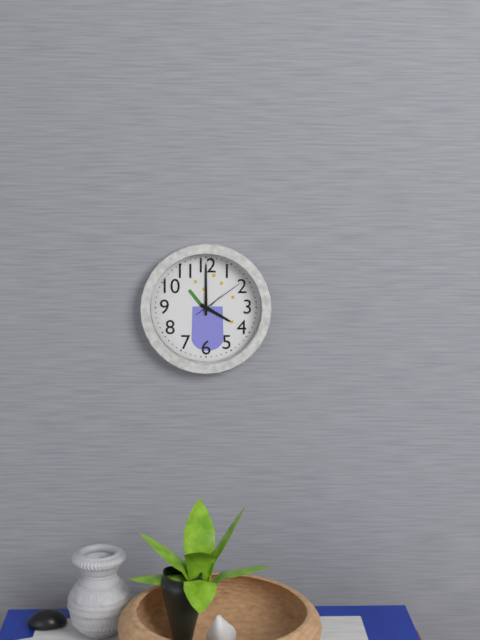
4:00:09
